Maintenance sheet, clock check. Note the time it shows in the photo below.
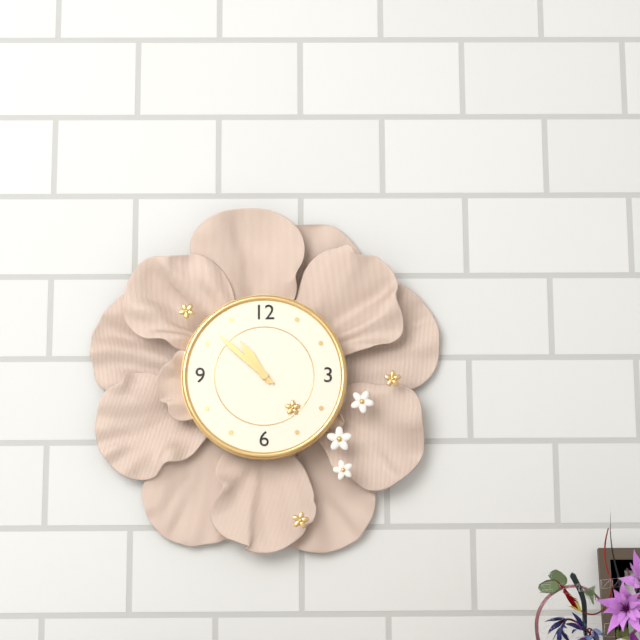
10:52
